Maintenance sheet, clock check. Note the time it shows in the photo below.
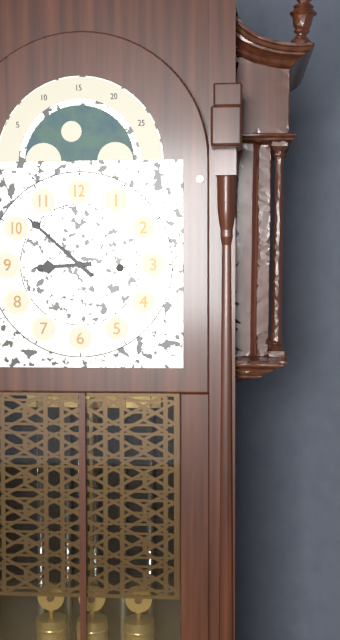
8:52
